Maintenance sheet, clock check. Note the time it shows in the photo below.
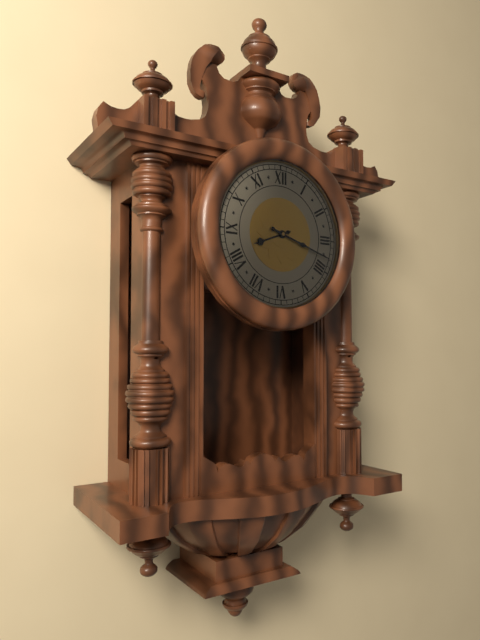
8:18
